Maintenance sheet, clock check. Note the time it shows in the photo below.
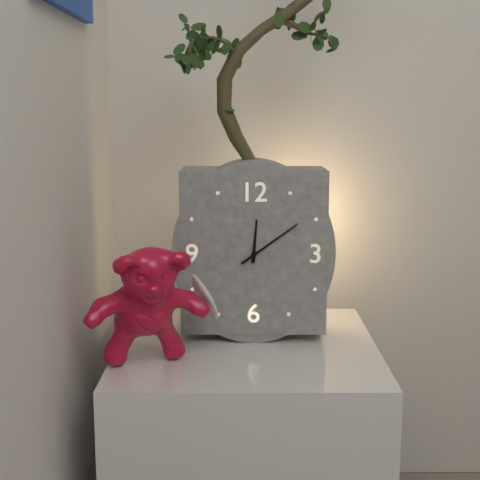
12:09
